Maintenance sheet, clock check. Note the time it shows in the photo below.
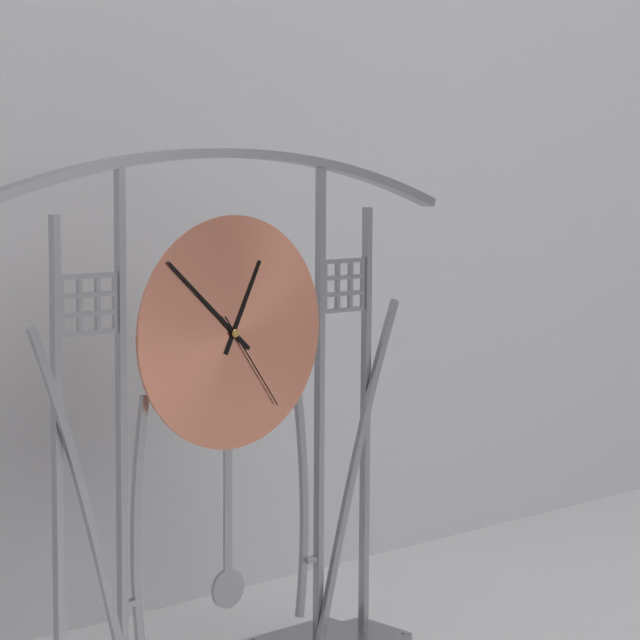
12:52:24
